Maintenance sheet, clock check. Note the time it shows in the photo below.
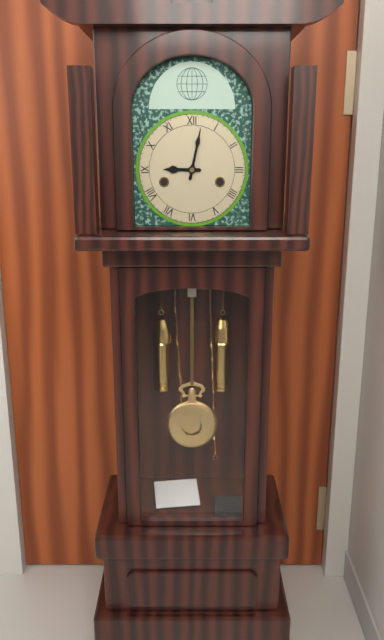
9:02
